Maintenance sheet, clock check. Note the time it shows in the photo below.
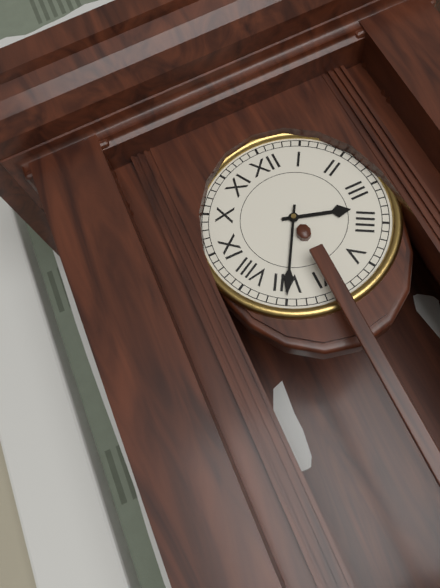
3:35
